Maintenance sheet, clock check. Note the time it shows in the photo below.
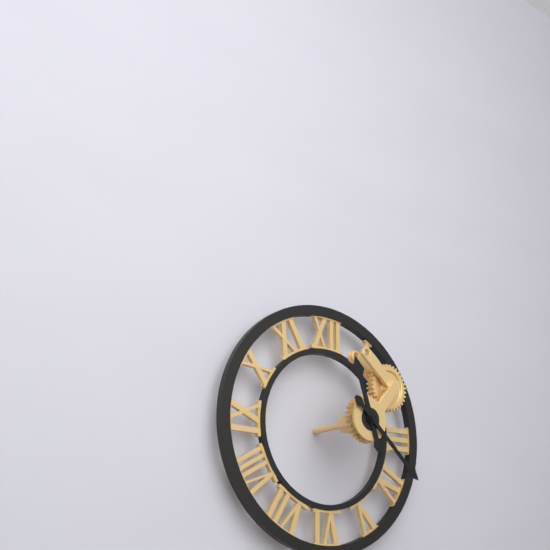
11:22
